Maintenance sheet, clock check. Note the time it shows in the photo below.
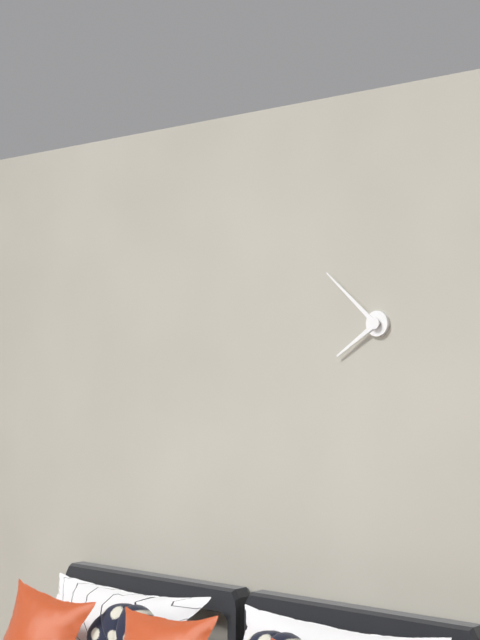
7:52
